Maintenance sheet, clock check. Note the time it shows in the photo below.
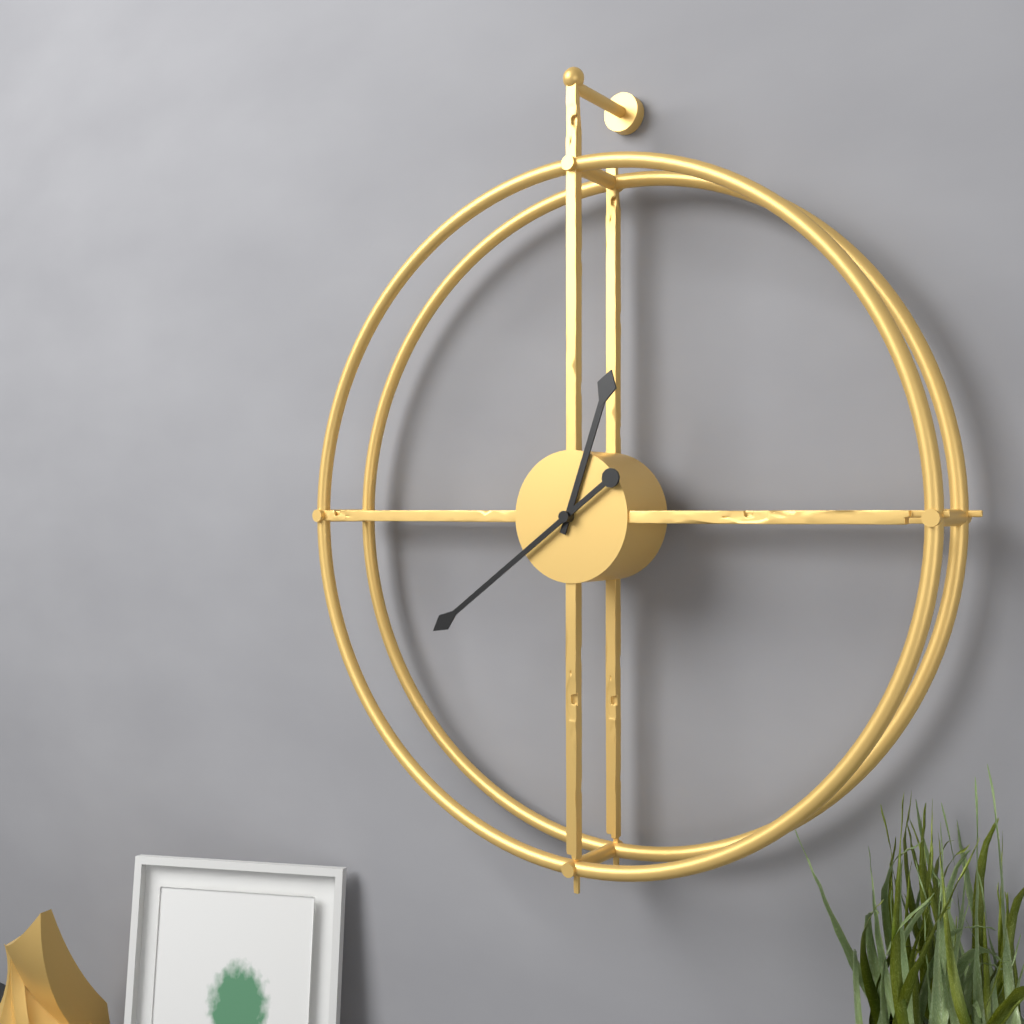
12:39
